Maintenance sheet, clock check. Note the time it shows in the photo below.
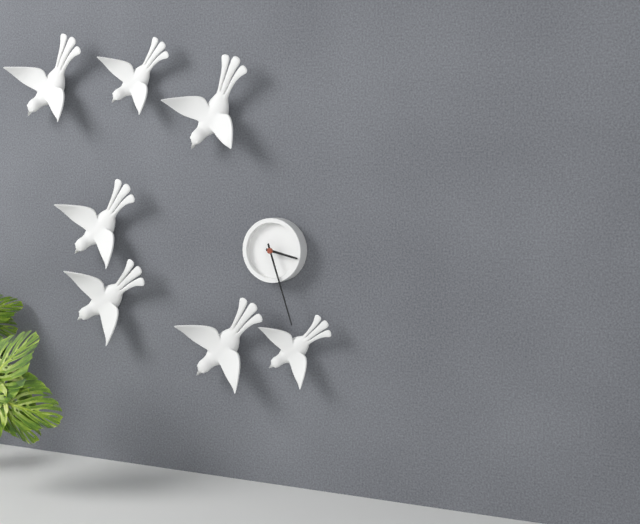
3:27
